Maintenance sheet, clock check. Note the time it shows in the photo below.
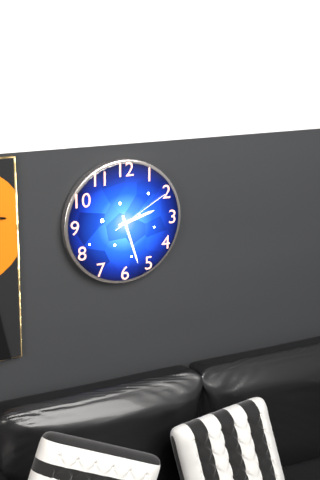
2:27:10
